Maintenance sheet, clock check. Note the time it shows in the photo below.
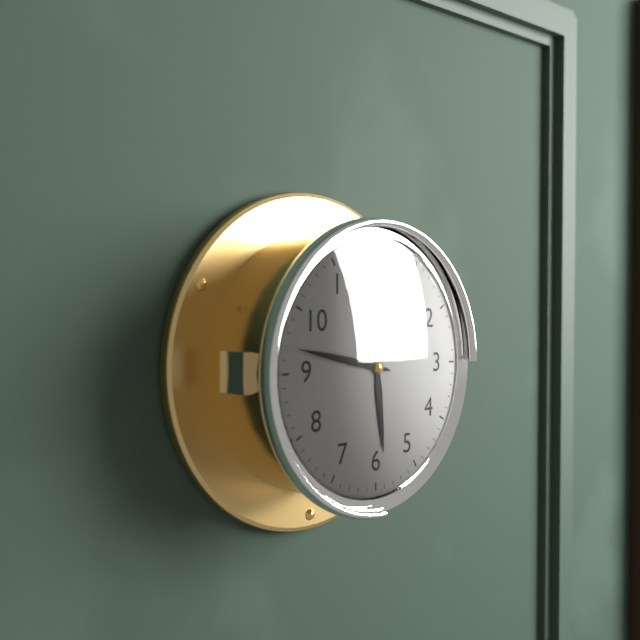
5:47
